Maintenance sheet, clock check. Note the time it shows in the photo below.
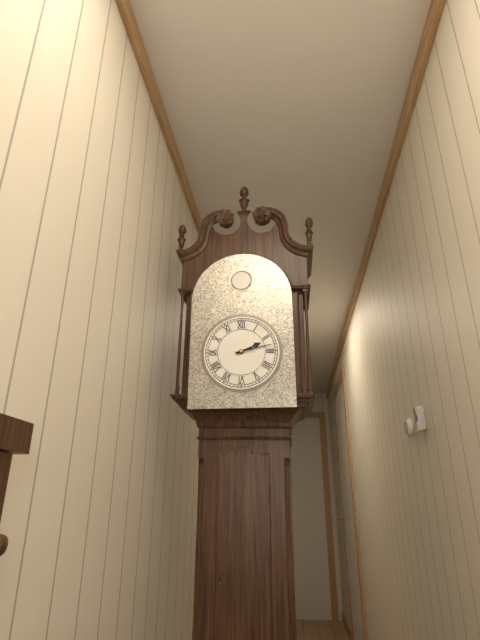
2:13
